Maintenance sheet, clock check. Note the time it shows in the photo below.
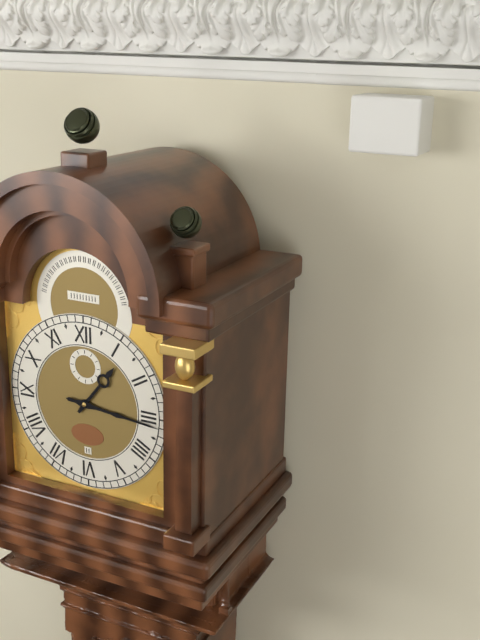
1:16
